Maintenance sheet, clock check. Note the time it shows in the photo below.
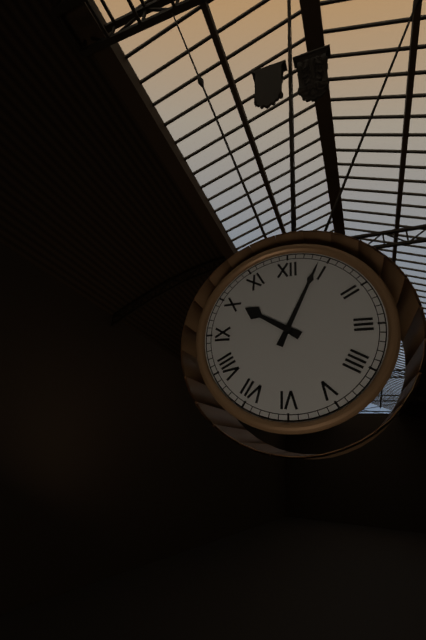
10:04
